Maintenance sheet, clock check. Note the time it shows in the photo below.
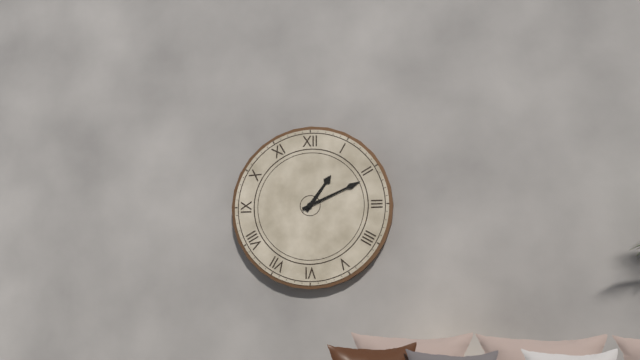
1:11
